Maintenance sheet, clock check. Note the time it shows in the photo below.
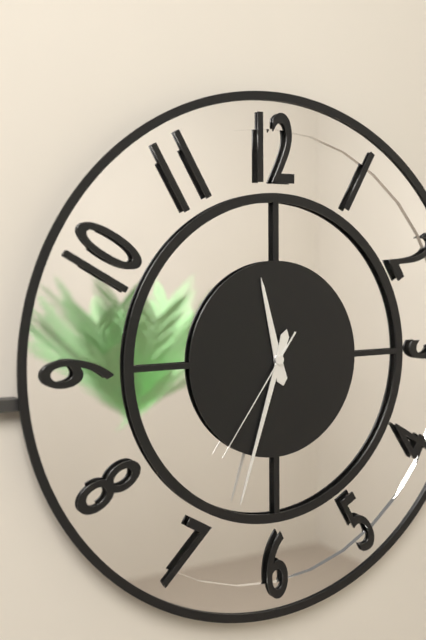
11:33:36
